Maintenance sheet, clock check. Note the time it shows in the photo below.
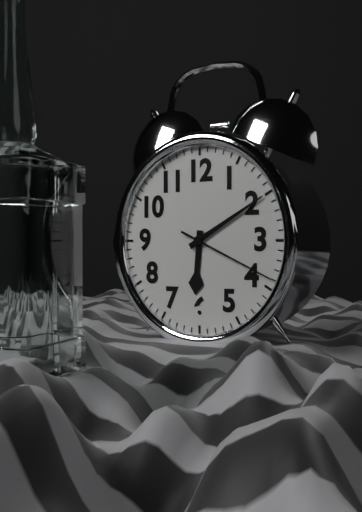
6:10:19
